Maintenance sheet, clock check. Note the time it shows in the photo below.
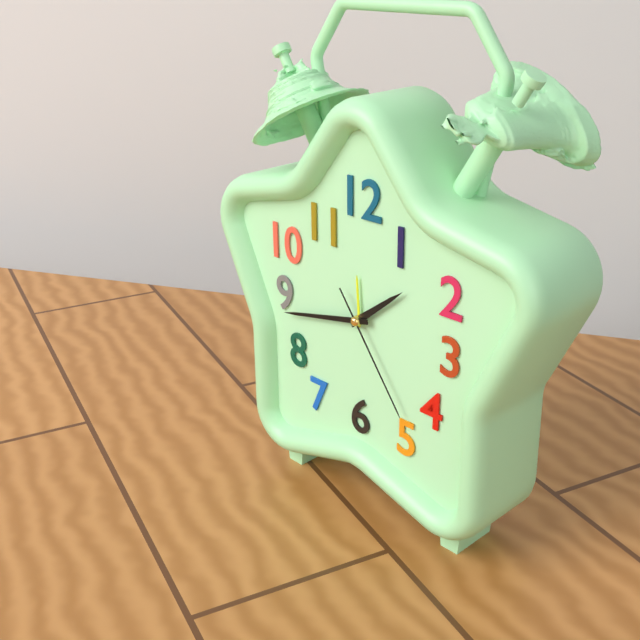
1:43:24
